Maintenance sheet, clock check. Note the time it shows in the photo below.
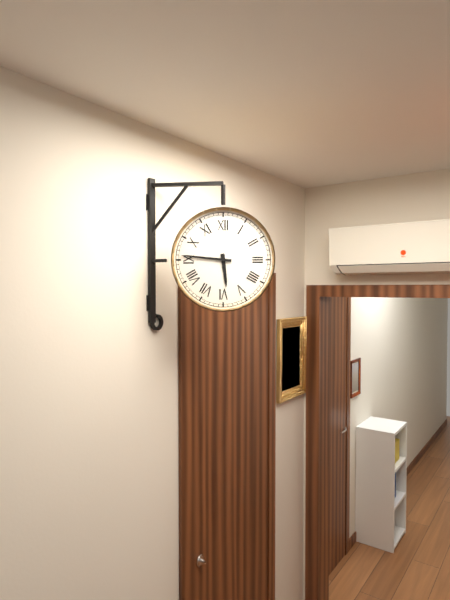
5:46
